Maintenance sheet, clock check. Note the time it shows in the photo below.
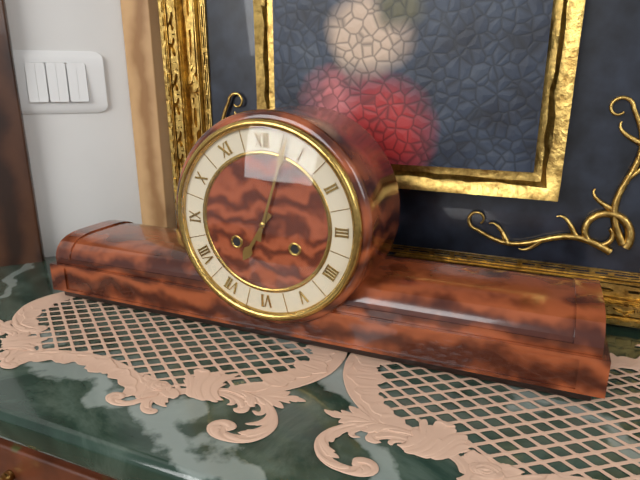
7:03
